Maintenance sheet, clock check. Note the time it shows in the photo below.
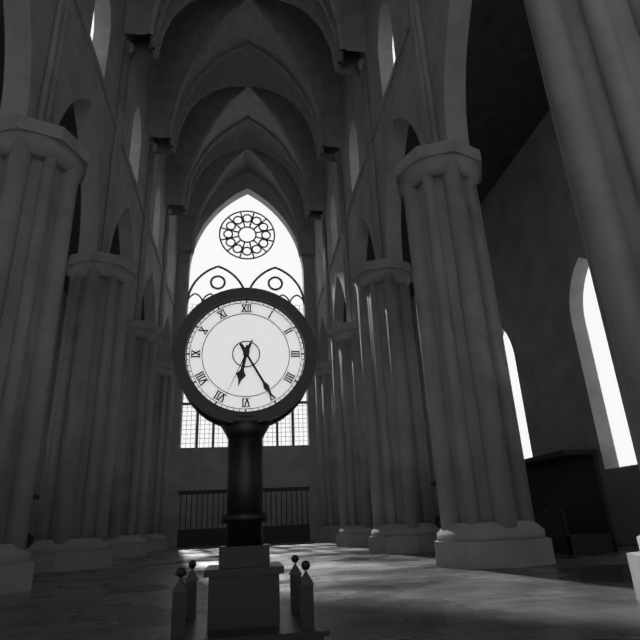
6:25:34
